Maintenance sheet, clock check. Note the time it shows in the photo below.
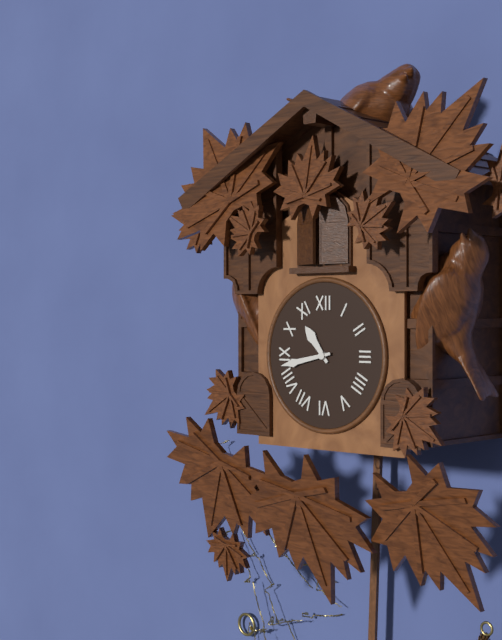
10:43
